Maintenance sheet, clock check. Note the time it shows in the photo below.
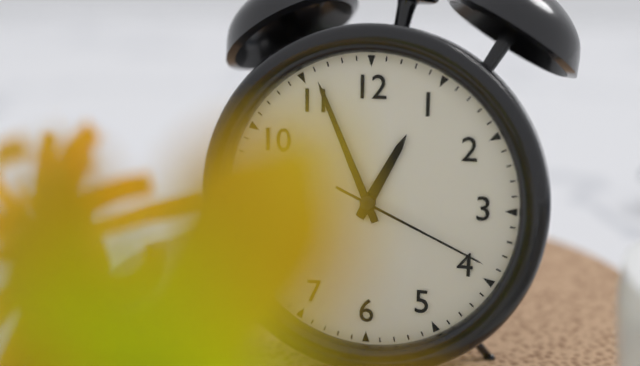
12:56:19
